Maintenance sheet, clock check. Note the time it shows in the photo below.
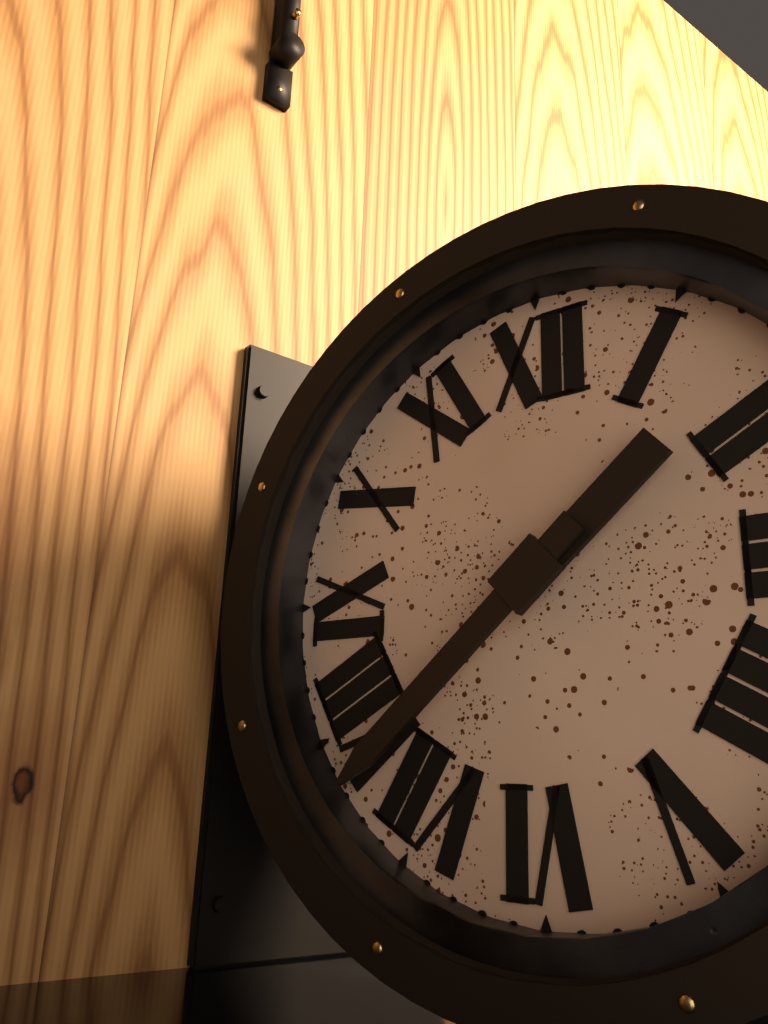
1:38
